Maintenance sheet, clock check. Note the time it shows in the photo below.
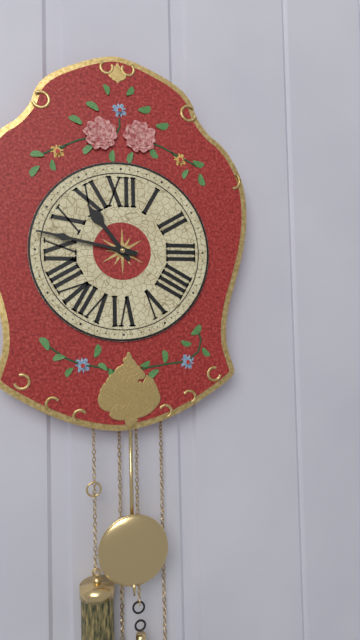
10:47
